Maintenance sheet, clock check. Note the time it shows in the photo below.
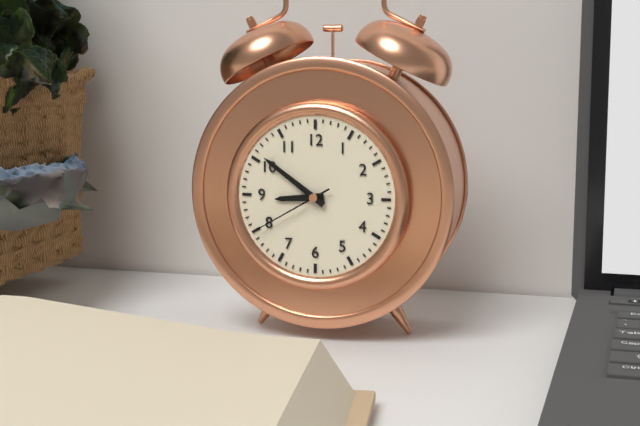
8:51:40
